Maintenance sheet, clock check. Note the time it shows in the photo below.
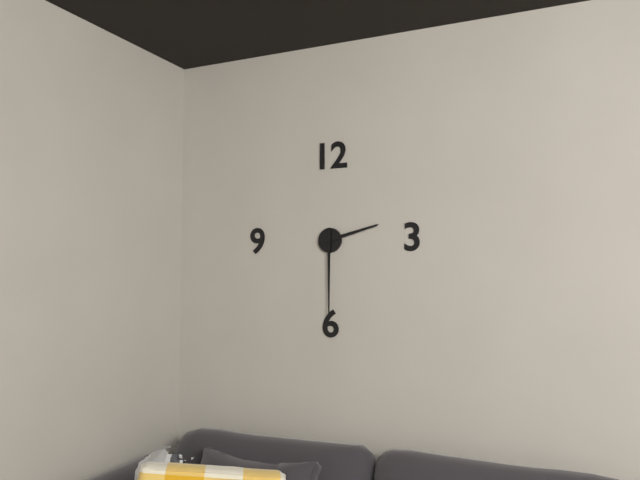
2:30
